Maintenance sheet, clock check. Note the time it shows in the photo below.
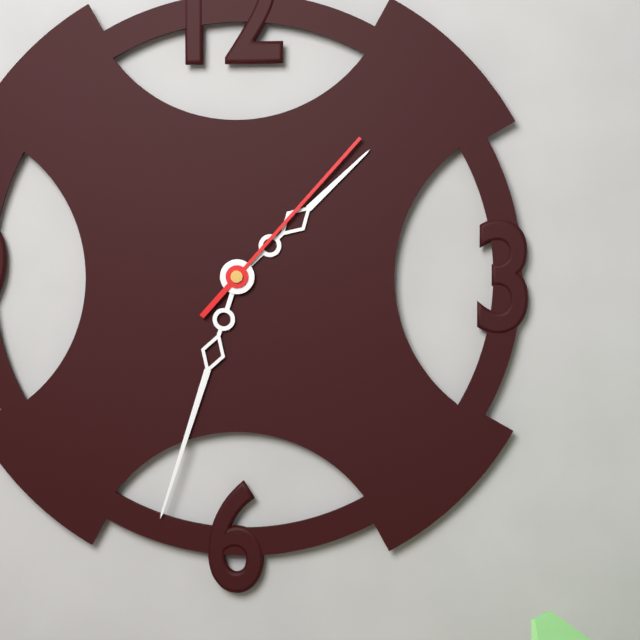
1:33:07
